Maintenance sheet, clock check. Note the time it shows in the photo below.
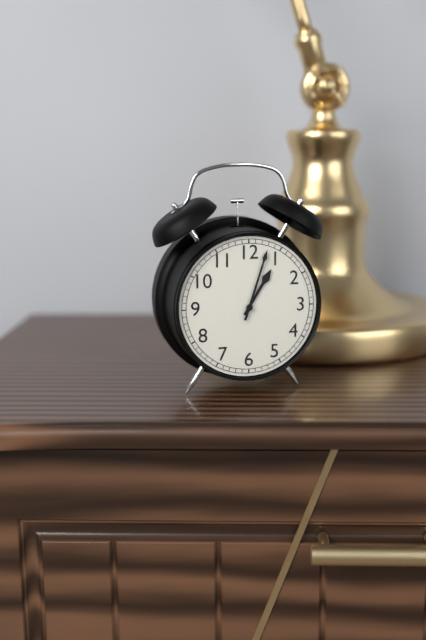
1:03
